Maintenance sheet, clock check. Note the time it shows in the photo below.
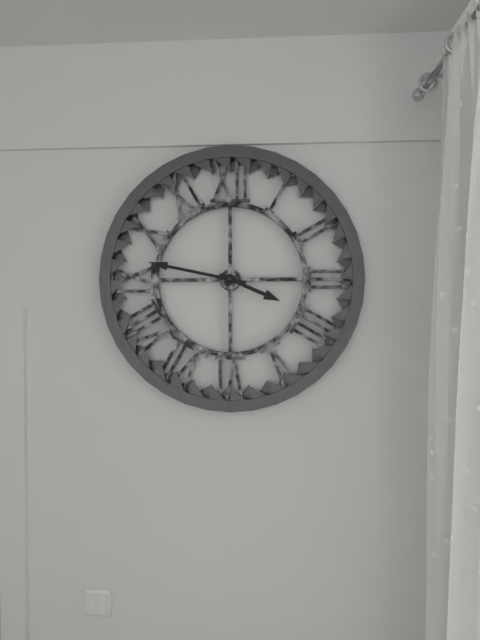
3:47
